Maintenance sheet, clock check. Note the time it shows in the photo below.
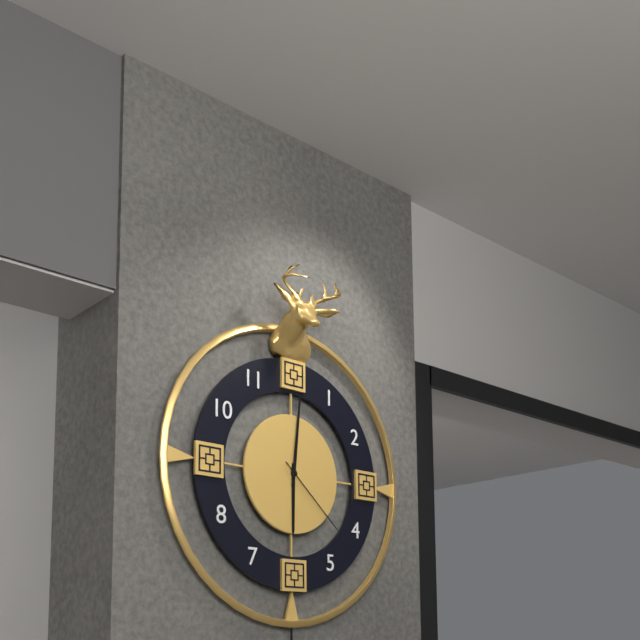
6:01:22
